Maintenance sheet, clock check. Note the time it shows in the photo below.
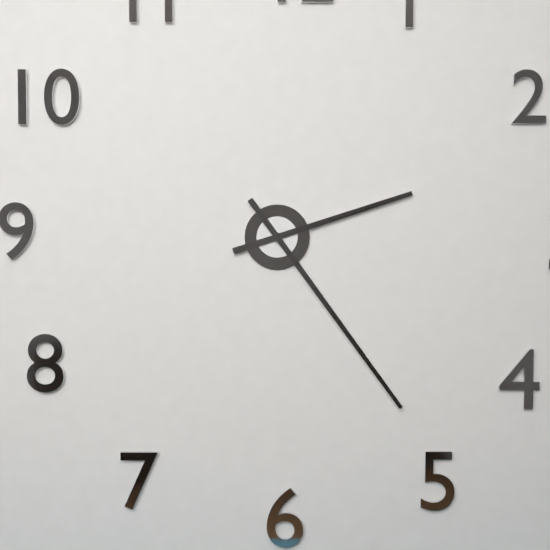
2:24
